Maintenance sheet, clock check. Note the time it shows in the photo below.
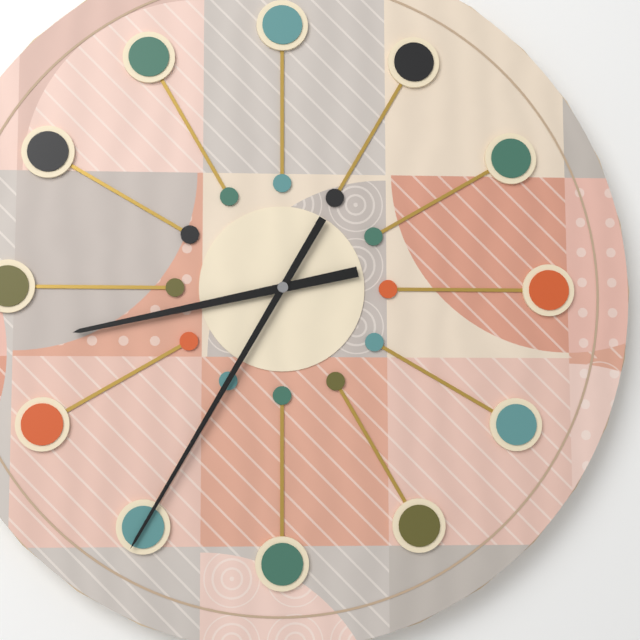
8:35
